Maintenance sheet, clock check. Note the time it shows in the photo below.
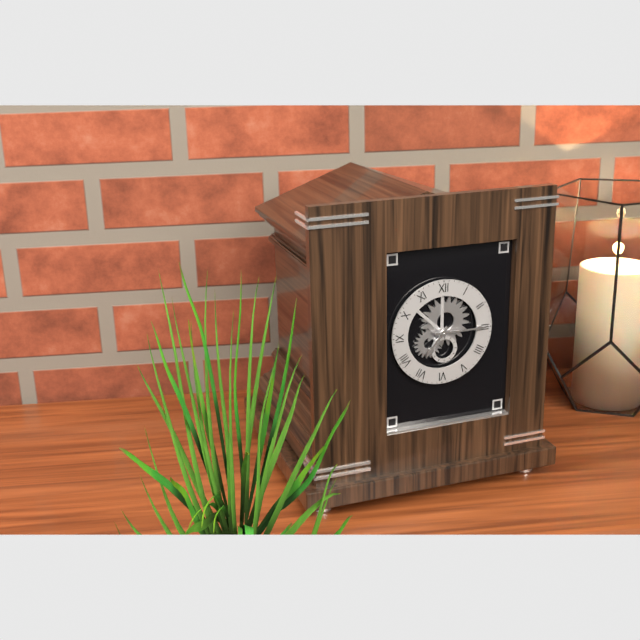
7:15
